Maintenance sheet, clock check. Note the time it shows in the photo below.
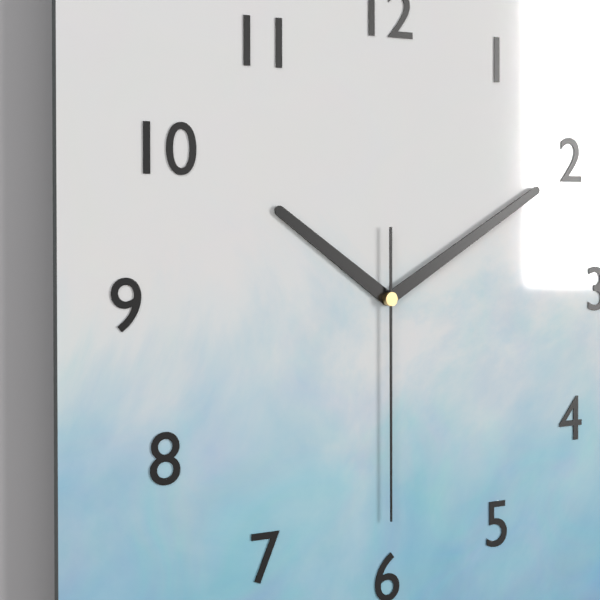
10:10:30
